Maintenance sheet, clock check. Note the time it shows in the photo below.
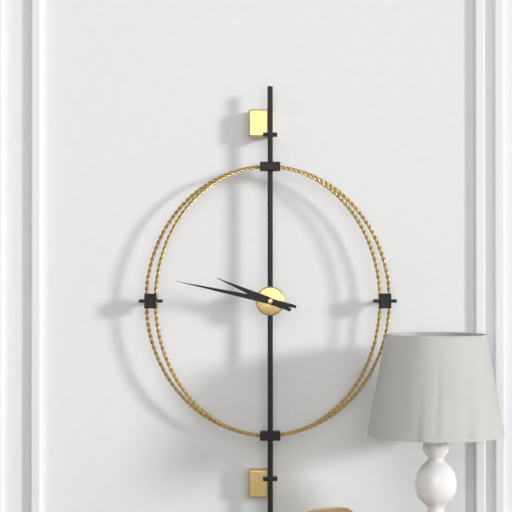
9:47
